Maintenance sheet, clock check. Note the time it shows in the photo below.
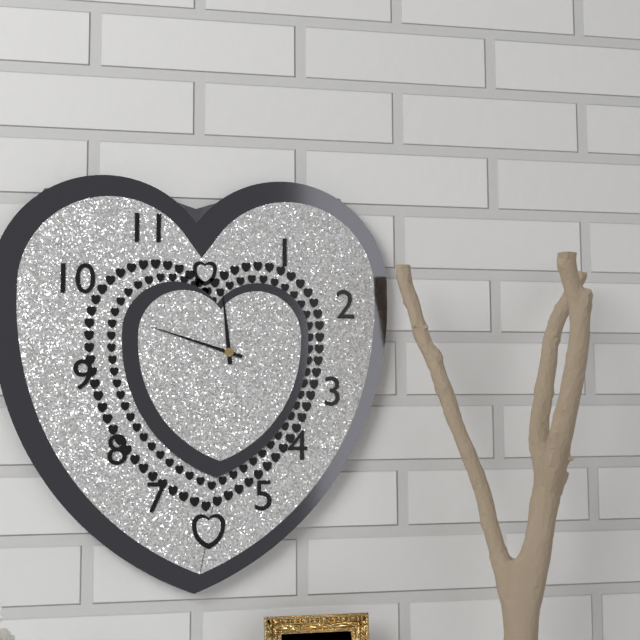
11:48
